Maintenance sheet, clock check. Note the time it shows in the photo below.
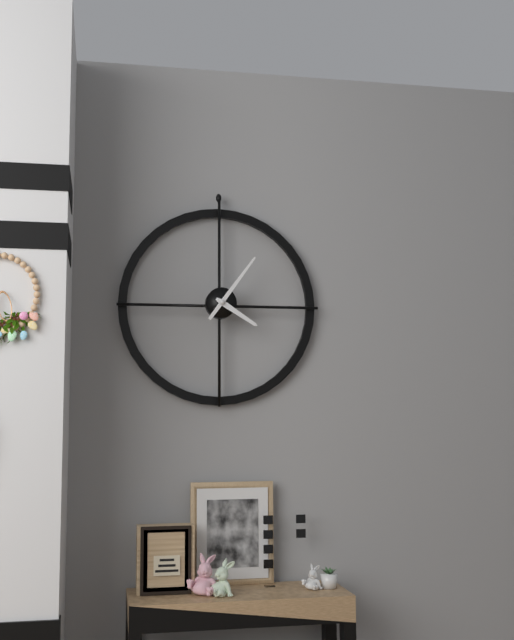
4:06
